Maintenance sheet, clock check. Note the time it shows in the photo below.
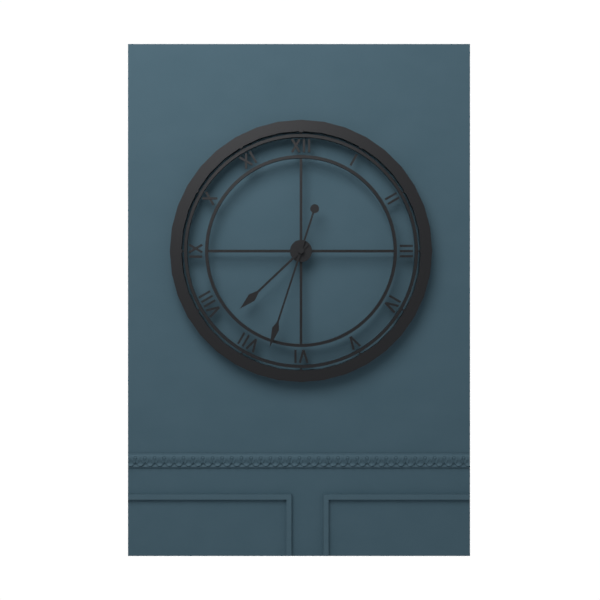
7:33
